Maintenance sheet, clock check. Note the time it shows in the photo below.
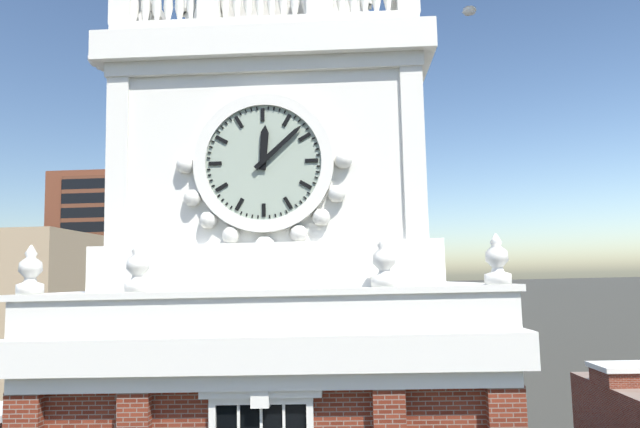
12:08
